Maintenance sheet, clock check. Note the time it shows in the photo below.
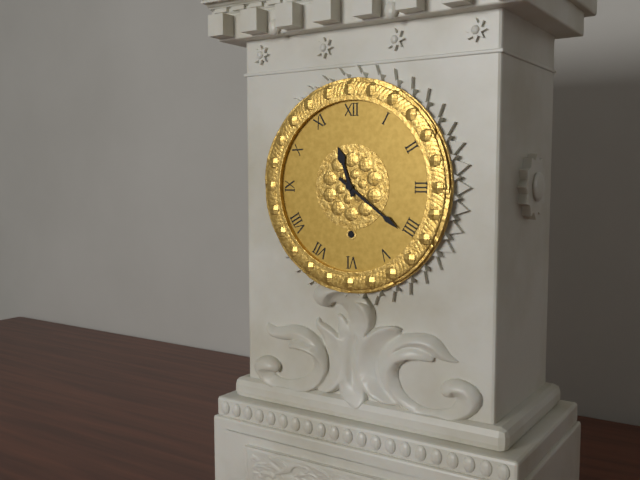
11:21
